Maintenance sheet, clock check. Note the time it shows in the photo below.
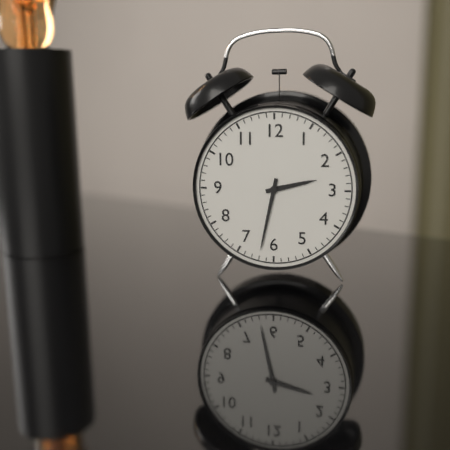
2:32
